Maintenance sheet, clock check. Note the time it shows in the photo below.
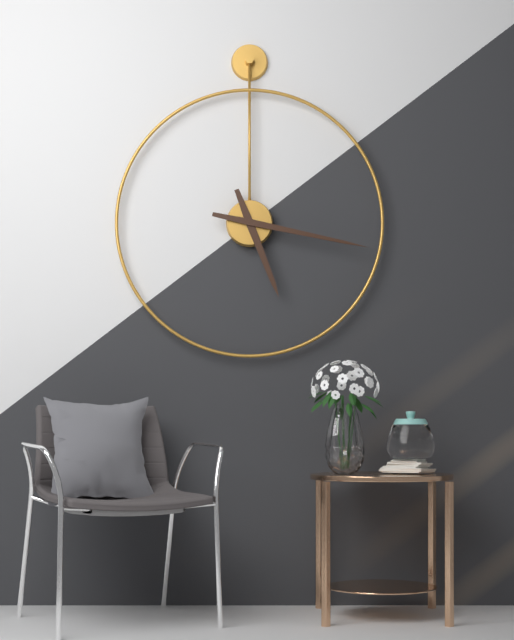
5:17
